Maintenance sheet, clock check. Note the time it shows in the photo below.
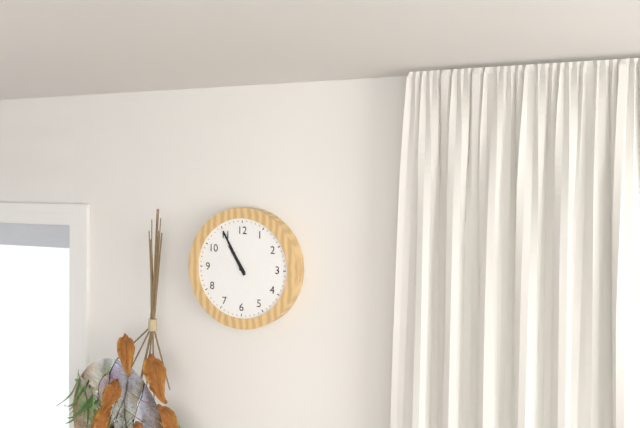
10:55
